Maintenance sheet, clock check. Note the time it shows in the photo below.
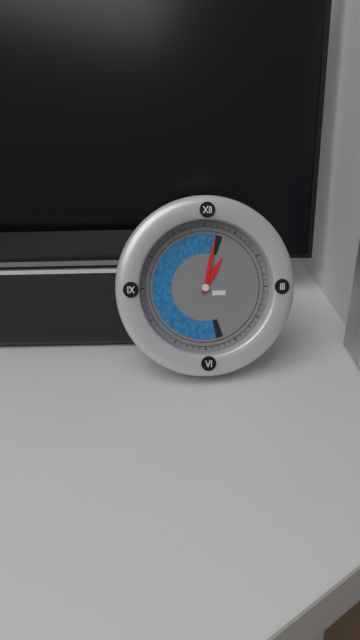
1:02
